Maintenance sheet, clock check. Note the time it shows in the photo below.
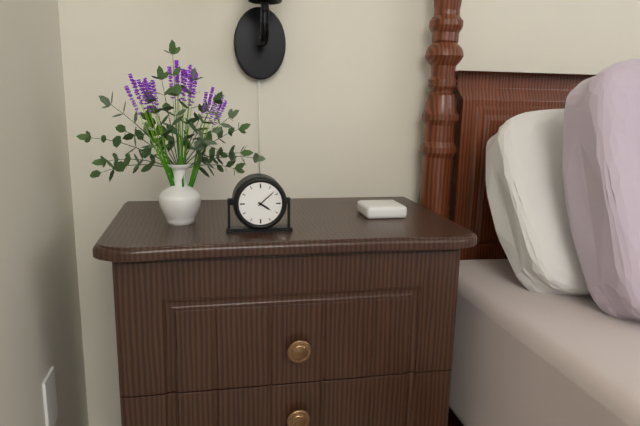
4:08
